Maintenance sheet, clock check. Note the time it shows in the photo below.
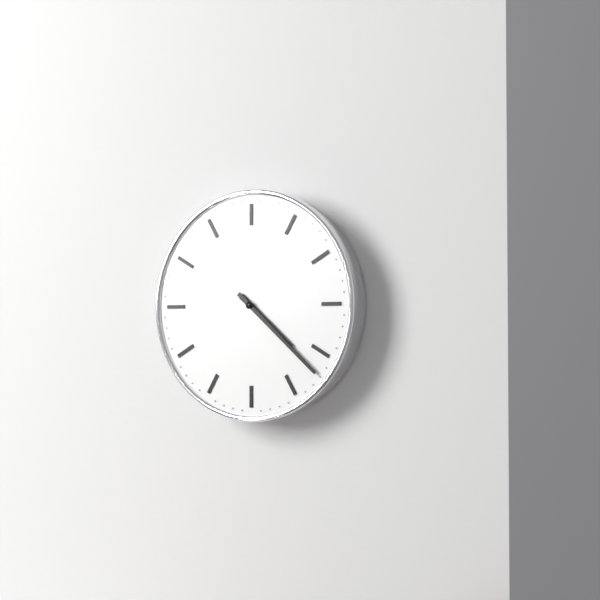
4:22
